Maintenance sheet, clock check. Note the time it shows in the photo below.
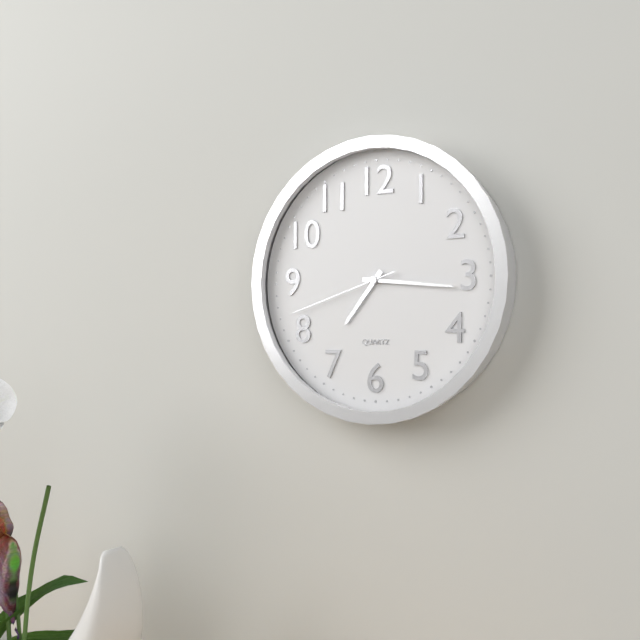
7:16:42
